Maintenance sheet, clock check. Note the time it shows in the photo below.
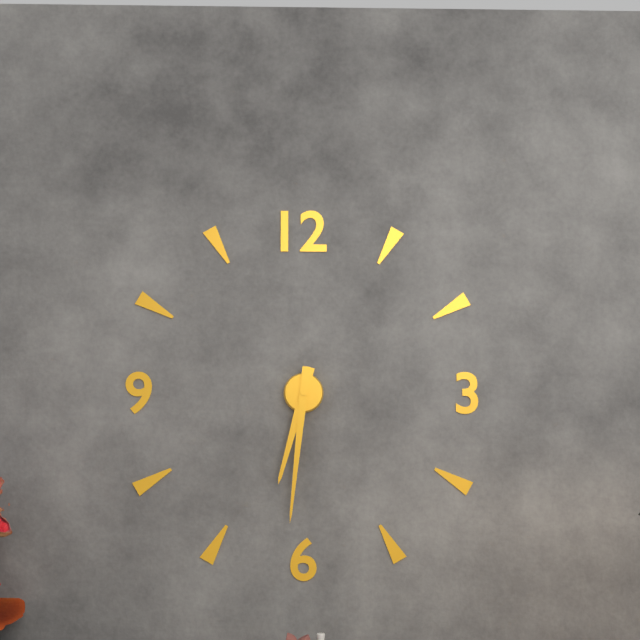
6:31
